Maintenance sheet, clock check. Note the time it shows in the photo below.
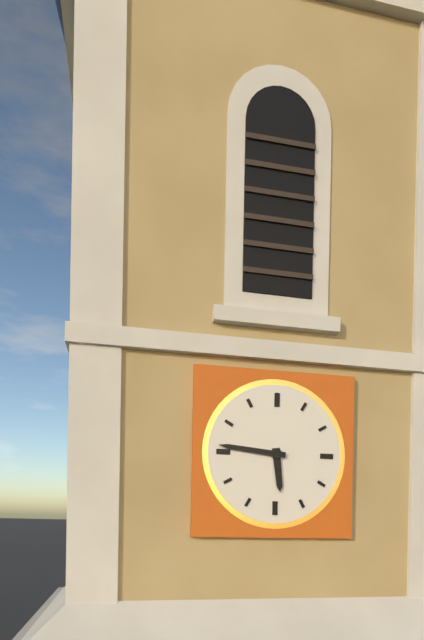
5:46
